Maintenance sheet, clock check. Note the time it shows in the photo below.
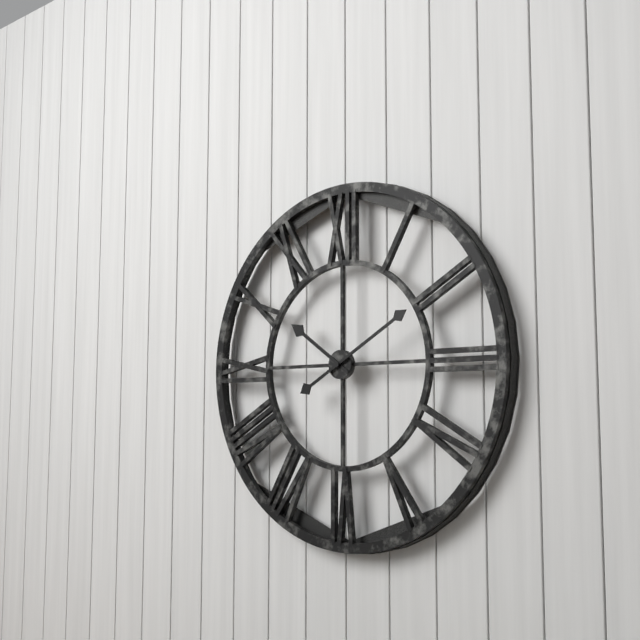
10:10
